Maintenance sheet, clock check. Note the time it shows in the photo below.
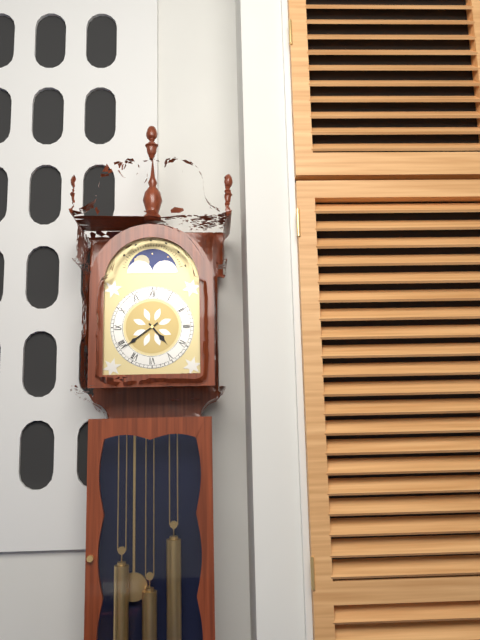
4:39
